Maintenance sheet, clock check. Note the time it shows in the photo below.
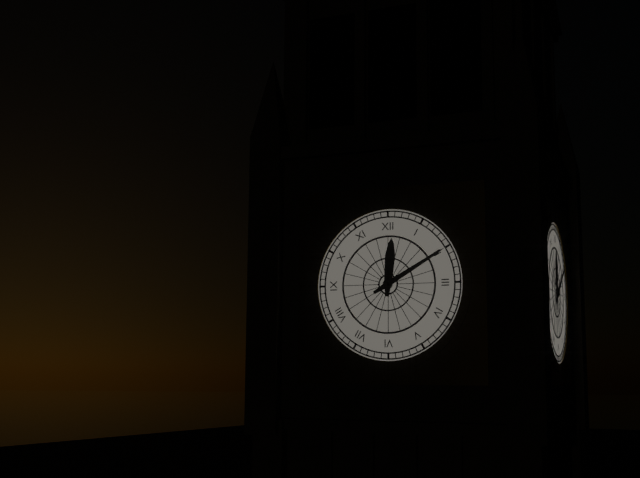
12:10
